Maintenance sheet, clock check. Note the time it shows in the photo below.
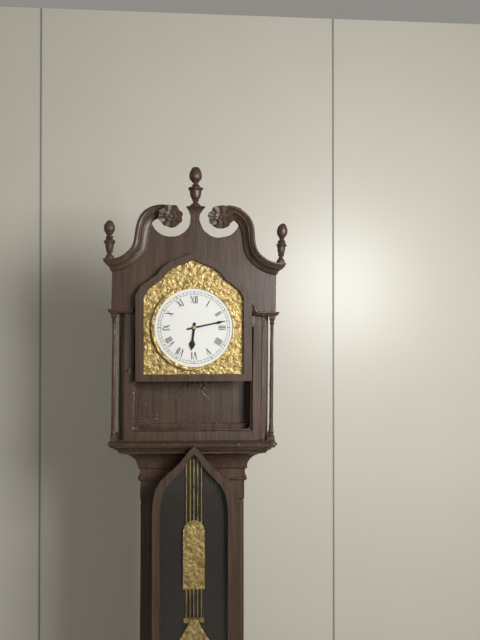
6:13
